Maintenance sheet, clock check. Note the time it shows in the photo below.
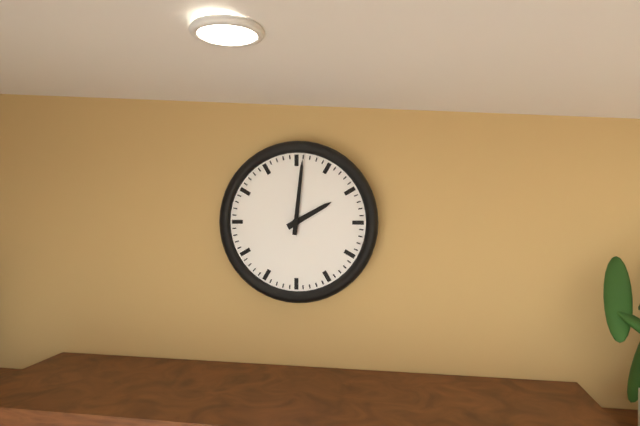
2:01
